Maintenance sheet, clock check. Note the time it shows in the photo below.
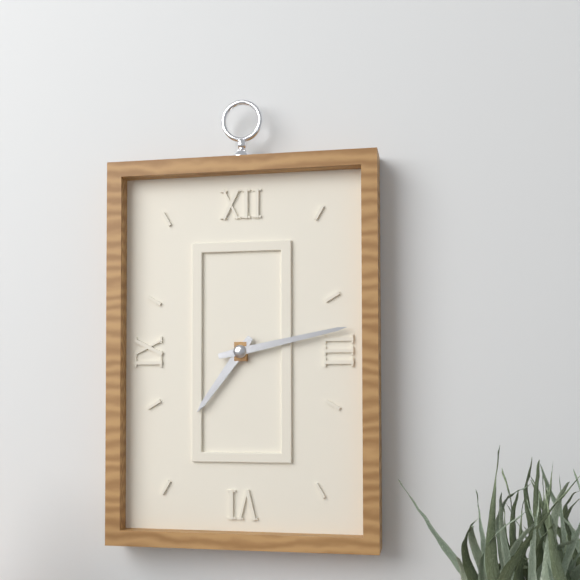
7:13
